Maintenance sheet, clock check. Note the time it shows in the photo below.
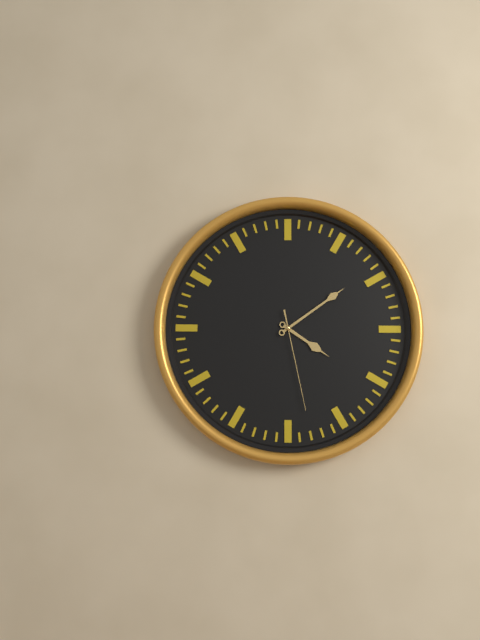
4:09:28
